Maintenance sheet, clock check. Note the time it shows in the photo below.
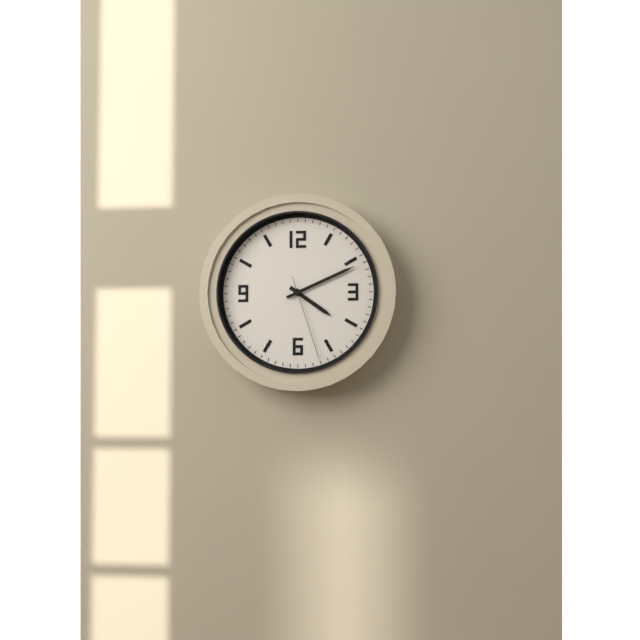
4:11:27
